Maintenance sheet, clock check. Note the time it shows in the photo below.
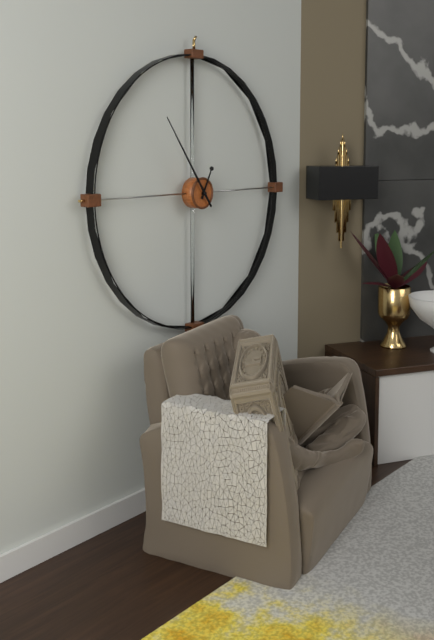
12:54
